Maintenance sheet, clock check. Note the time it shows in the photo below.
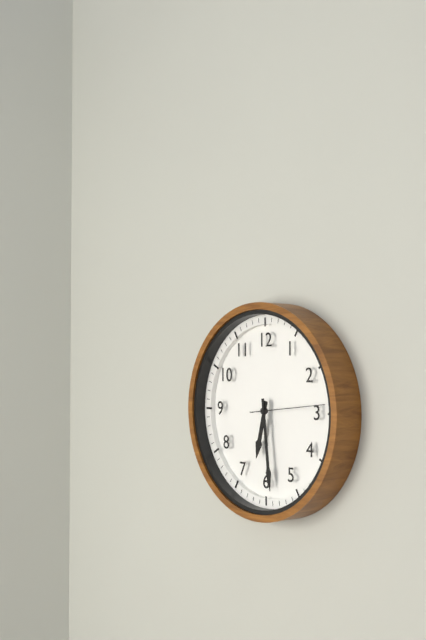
6:29:14
